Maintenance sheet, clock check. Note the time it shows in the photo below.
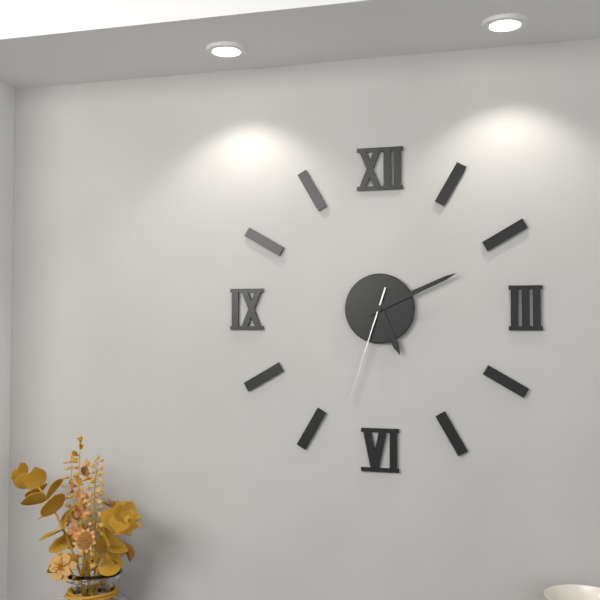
5:11:33
